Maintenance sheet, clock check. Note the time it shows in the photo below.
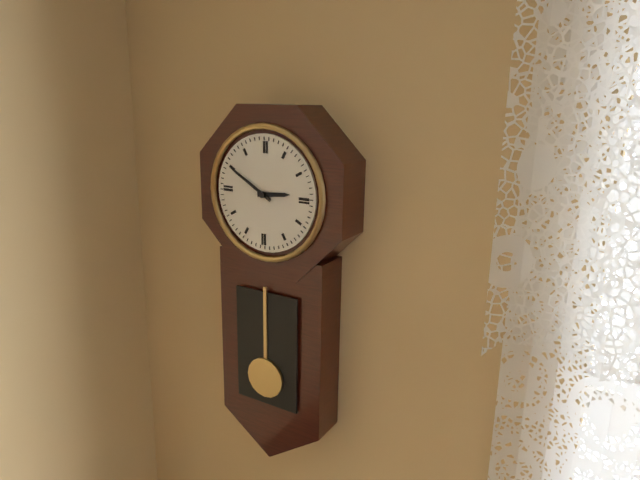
2:50
